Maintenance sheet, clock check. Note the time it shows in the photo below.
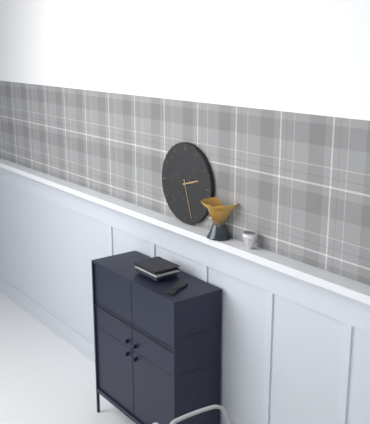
2:27
